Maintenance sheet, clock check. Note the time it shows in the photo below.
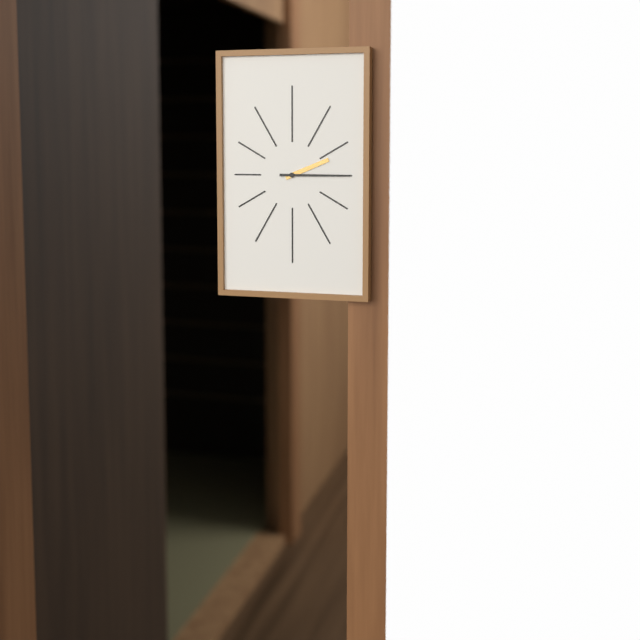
2:15
